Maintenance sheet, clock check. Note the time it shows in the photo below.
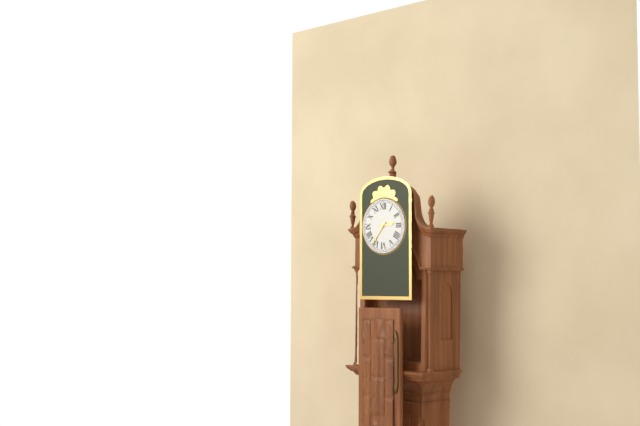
2:36
